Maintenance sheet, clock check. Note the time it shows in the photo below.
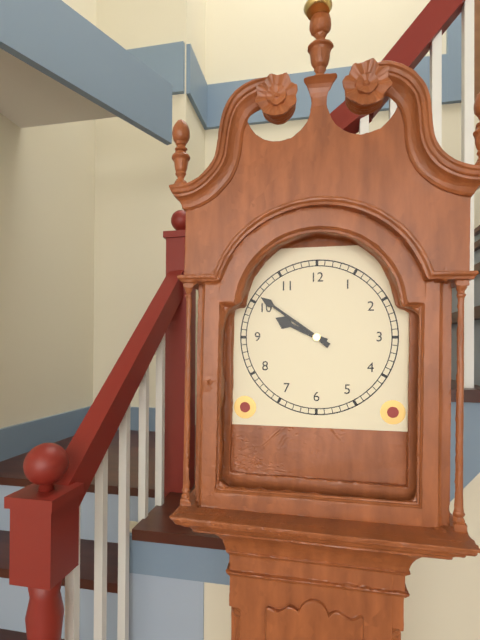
9:51
